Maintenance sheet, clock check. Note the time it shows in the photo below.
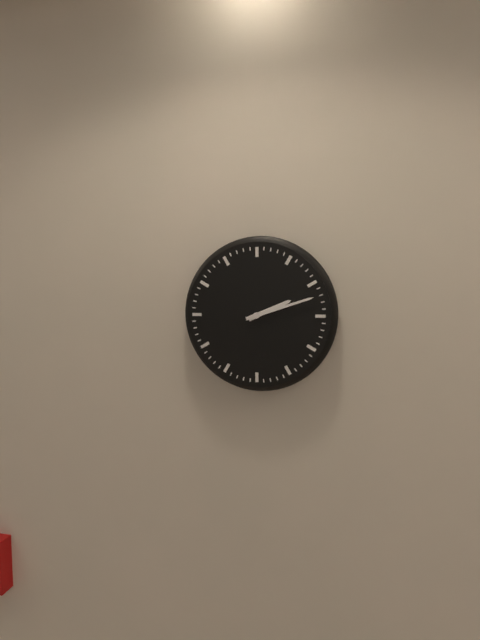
2:12
